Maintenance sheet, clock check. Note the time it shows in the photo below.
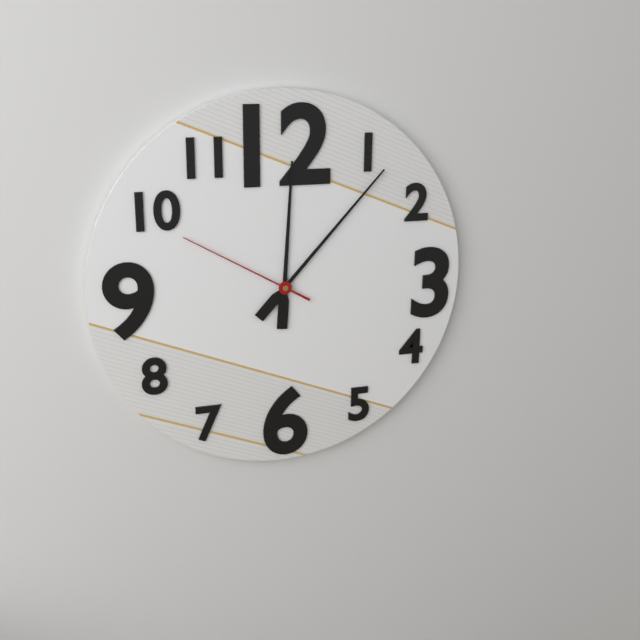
12:07:50
